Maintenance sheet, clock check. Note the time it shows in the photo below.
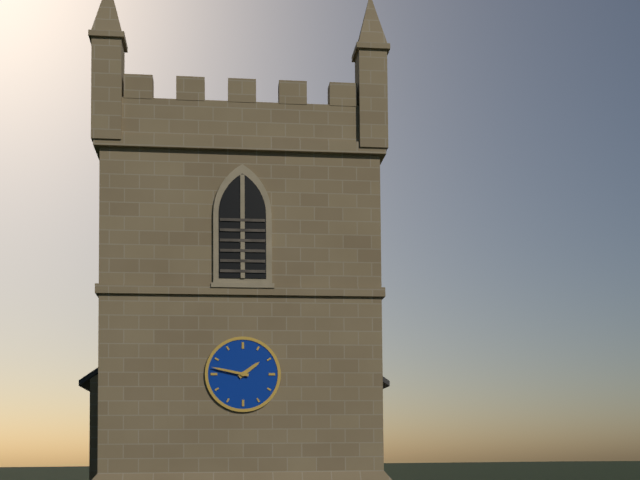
1:47
